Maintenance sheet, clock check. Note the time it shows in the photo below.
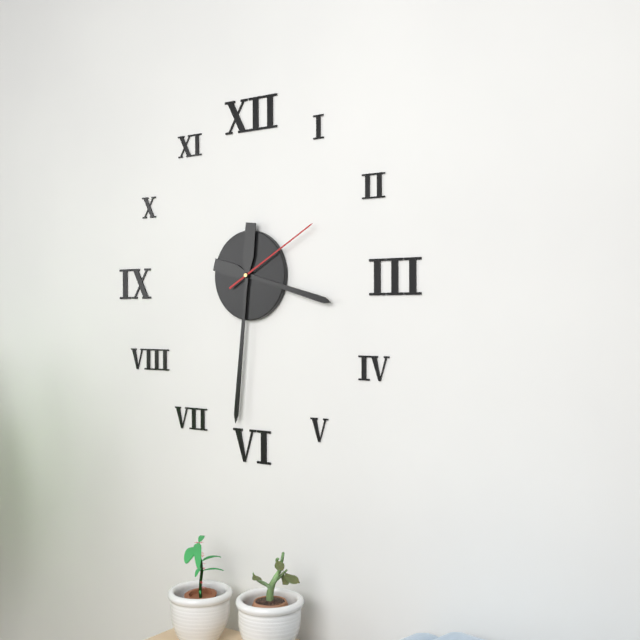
3:31:10
